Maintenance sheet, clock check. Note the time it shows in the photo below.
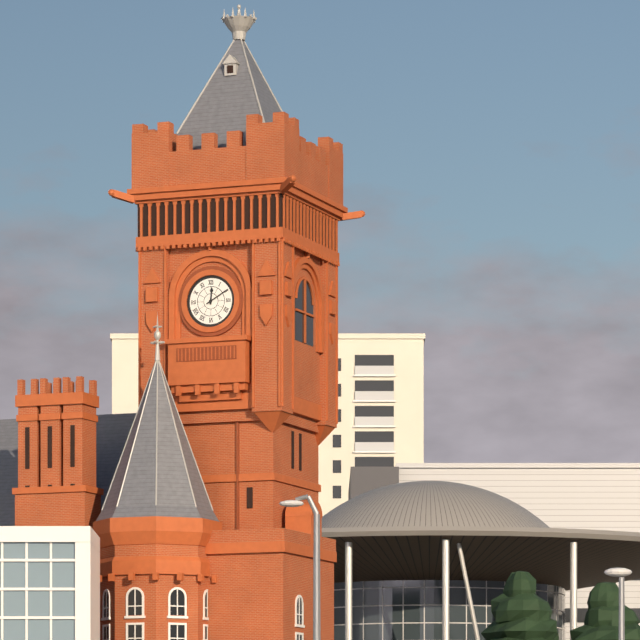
12:10
